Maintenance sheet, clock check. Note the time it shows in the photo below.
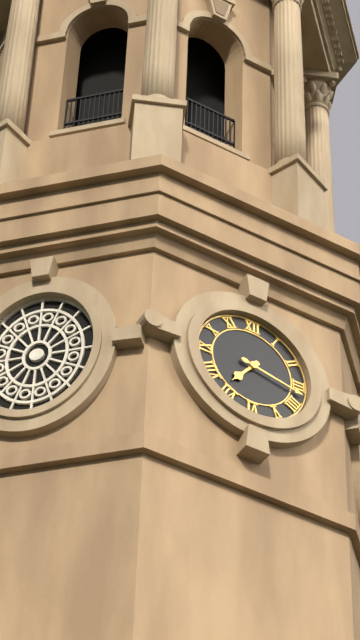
7:17
